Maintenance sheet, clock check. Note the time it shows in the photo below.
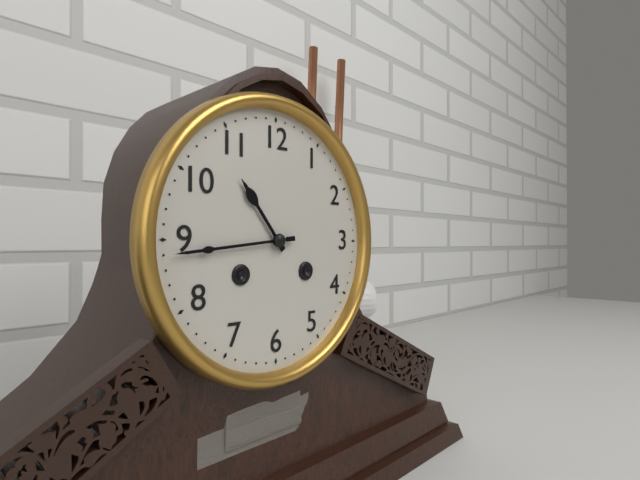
10:44
